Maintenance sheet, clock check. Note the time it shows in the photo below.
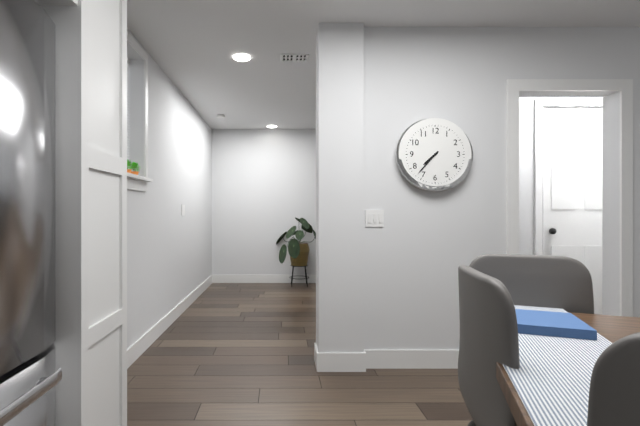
7:37
